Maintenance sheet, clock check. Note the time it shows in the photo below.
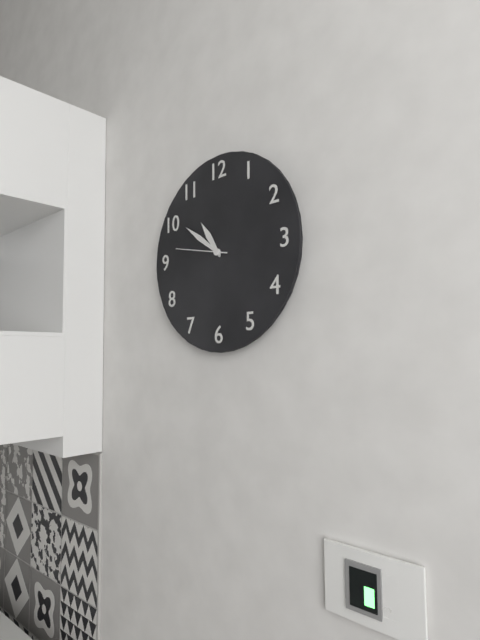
10:51:47
